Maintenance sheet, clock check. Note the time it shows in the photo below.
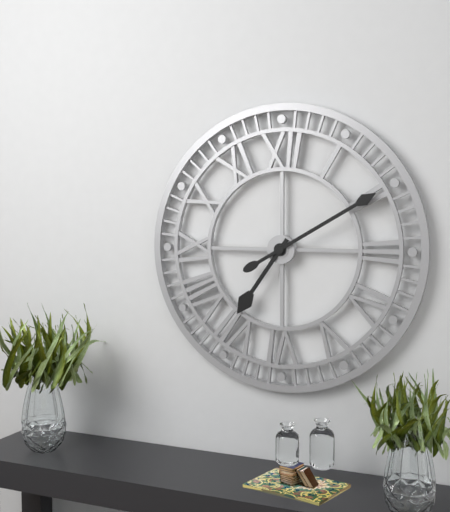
7:10
